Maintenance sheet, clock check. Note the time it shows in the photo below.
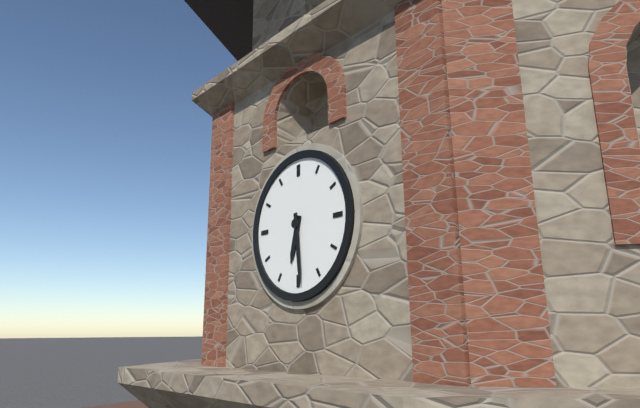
6:29
